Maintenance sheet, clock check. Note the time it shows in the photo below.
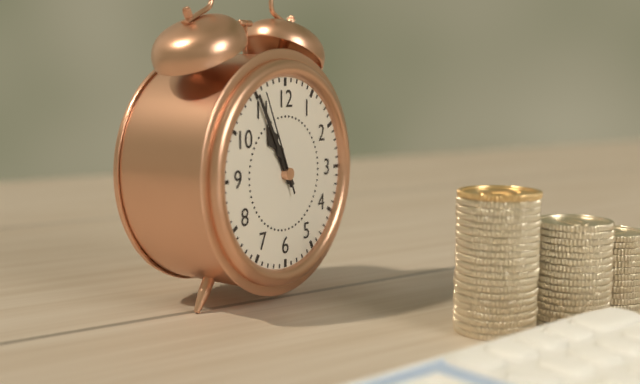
10:55:56
